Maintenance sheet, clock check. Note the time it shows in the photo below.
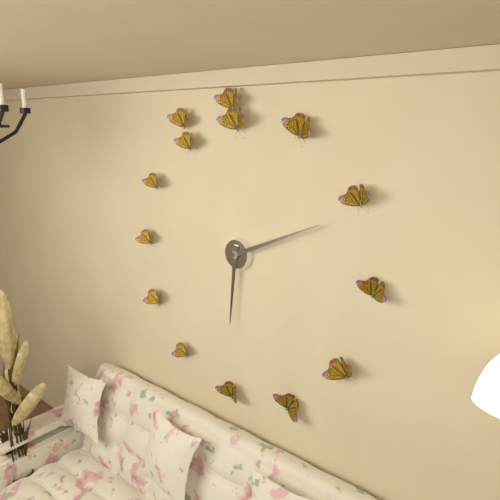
6:11
